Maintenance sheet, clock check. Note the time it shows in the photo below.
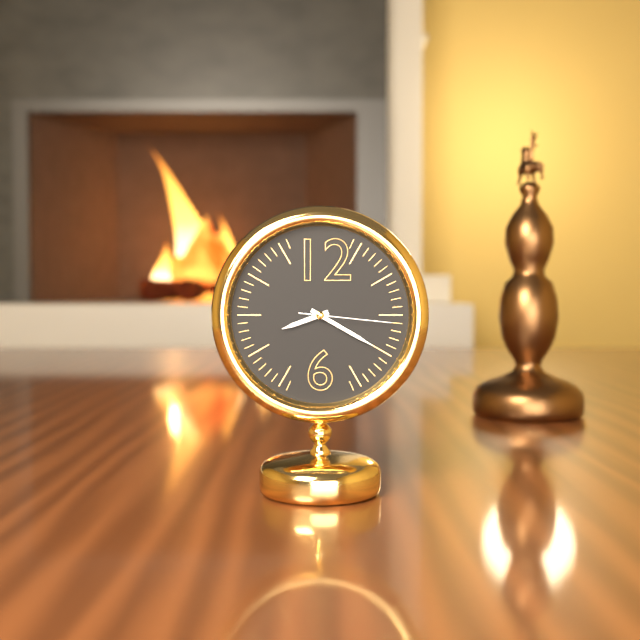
8:20:16
